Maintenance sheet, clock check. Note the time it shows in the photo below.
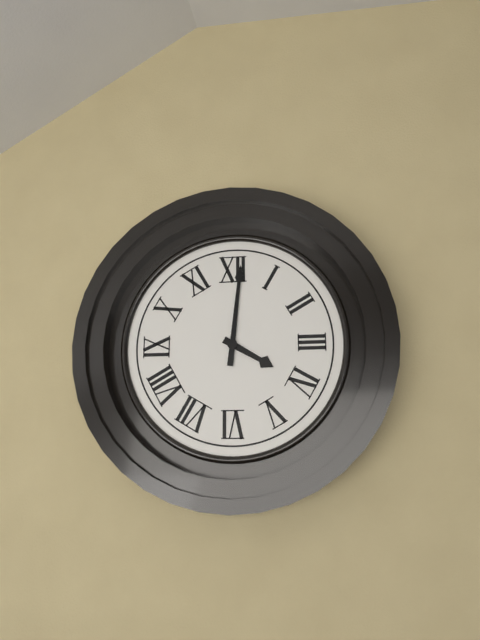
4:01
